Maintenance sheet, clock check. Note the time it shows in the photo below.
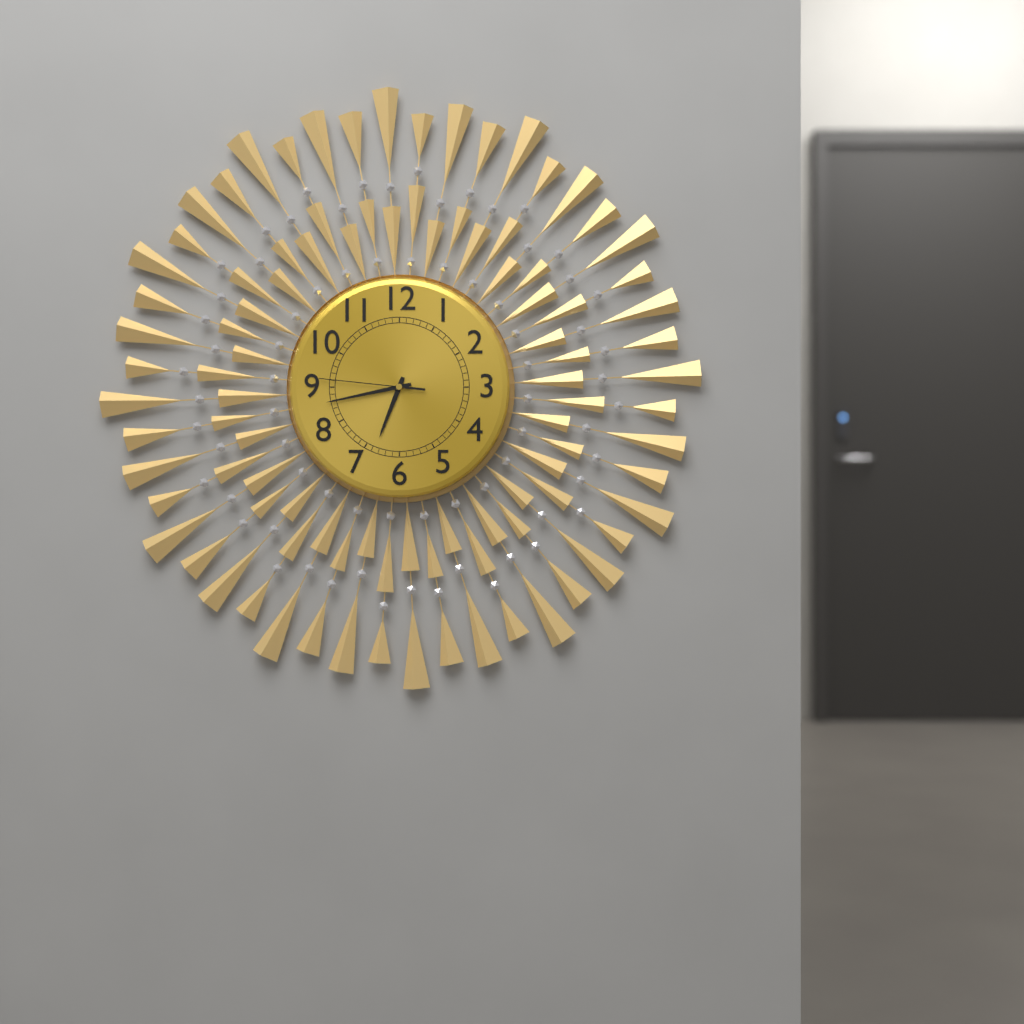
6:43:46
